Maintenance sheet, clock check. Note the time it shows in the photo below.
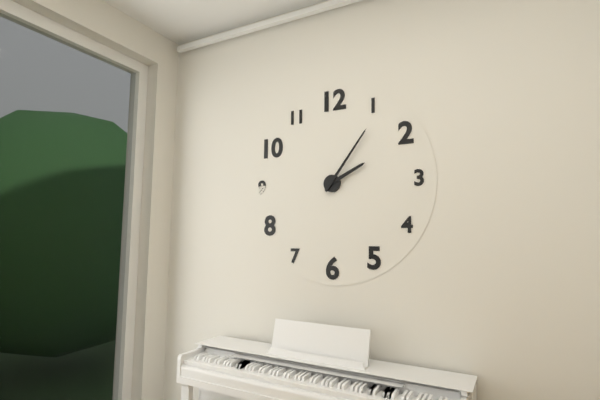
2:06
